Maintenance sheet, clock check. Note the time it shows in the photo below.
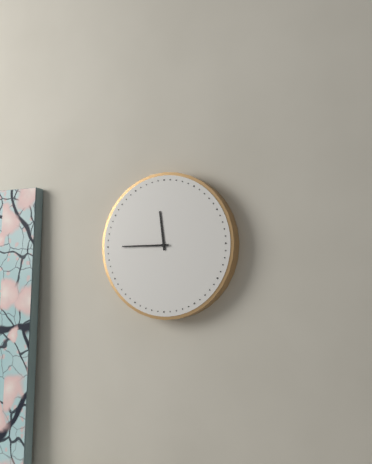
11:45
